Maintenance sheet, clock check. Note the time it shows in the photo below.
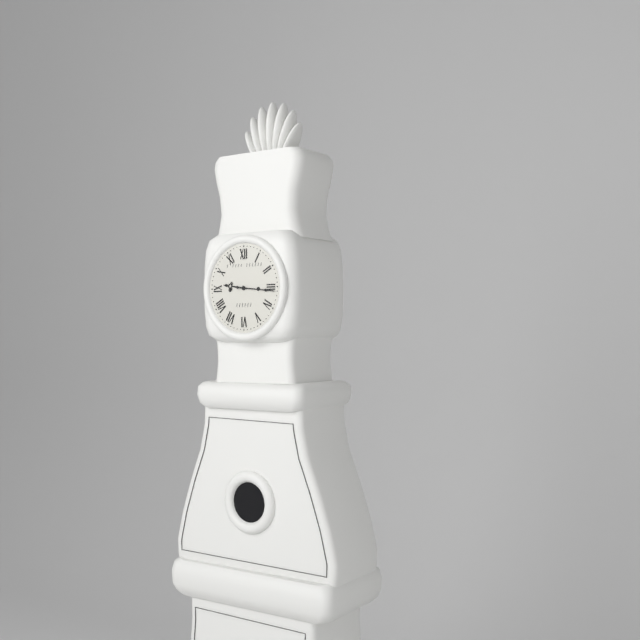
9:16
